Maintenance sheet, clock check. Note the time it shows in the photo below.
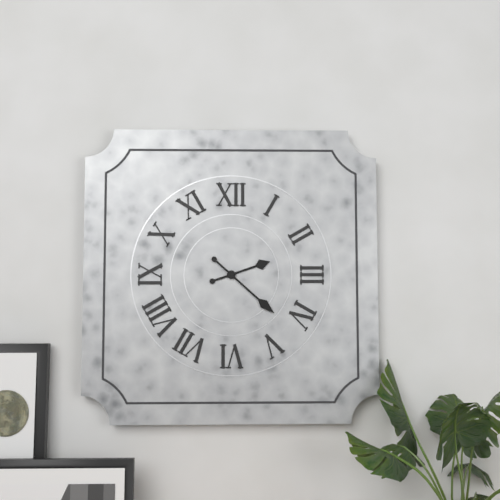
2:22
